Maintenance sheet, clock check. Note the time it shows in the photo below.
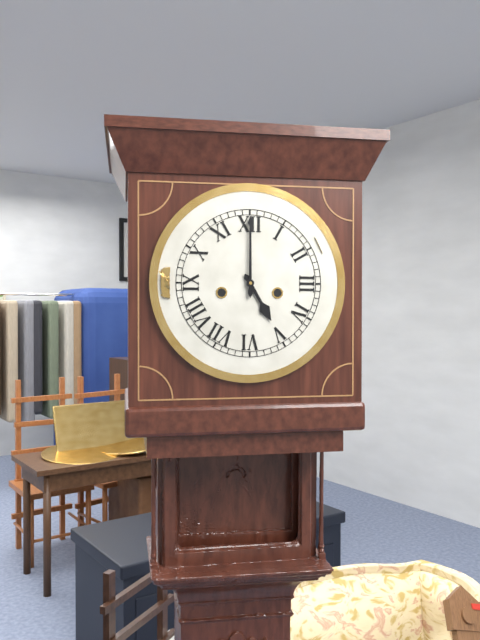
5:00
